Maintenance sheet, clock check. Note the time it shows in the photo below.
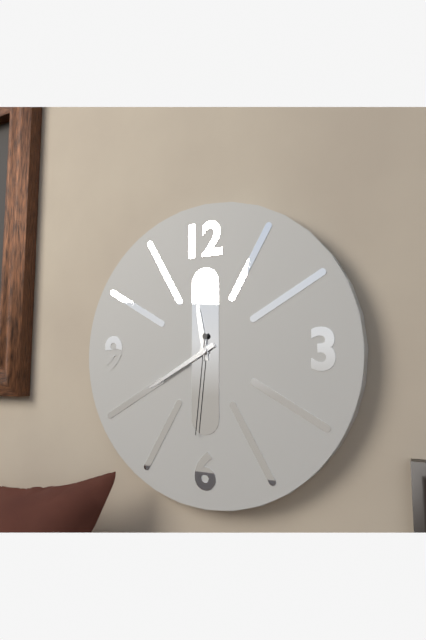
11:40:31
